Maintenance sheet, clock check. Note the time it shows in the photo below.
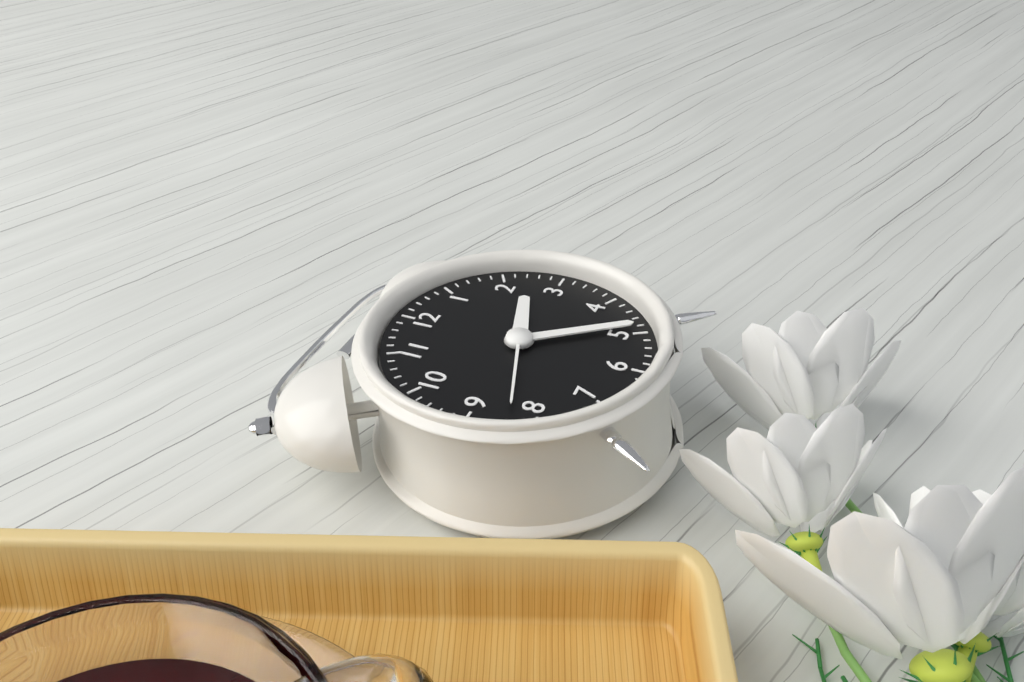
2:24:42
